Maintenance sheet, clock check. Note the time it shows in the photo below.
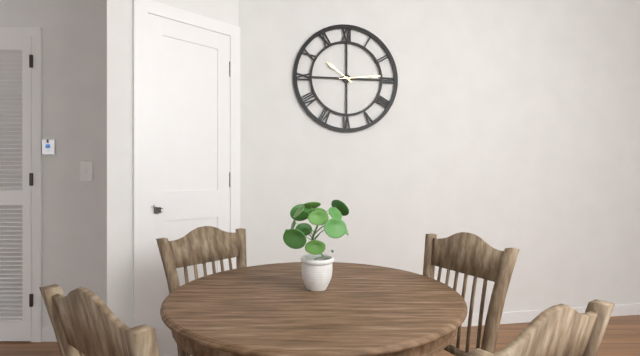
10:14
